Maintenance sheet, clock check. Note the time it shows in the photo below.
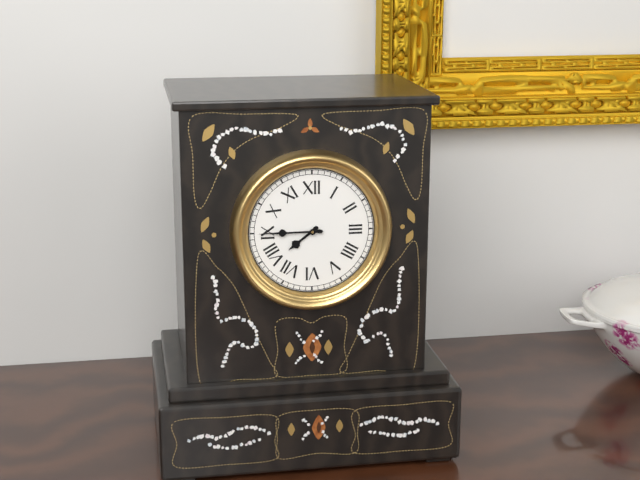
7:45
